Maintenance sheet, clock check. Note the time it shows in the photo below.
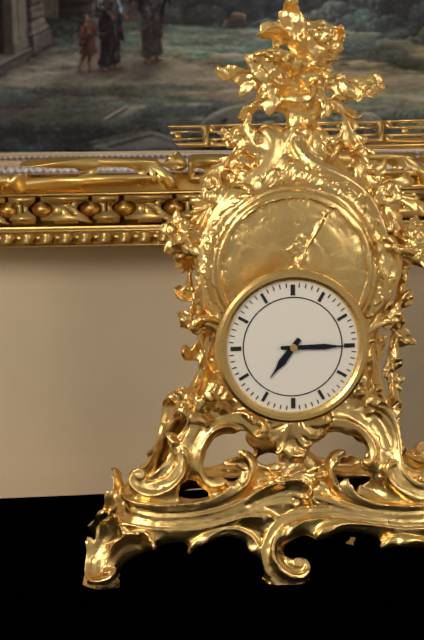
7:15
